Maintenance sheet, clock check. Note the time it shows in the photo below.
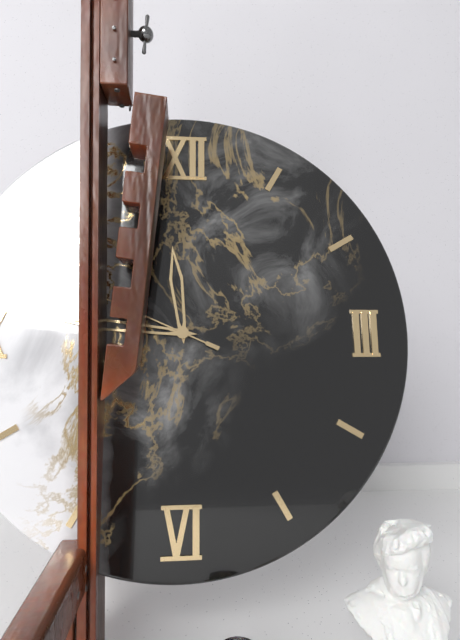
11:46:49
